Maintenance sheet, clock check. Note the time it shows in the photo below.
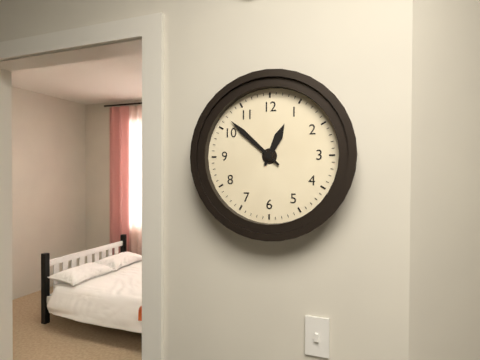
12:52
